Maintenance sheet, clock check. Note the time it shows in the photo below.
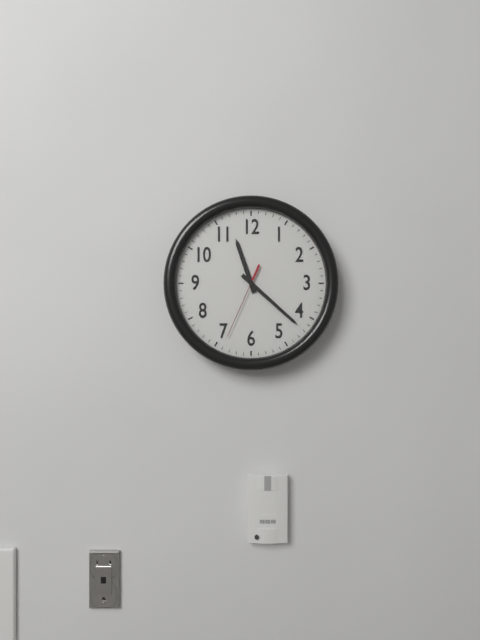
11:22:34
